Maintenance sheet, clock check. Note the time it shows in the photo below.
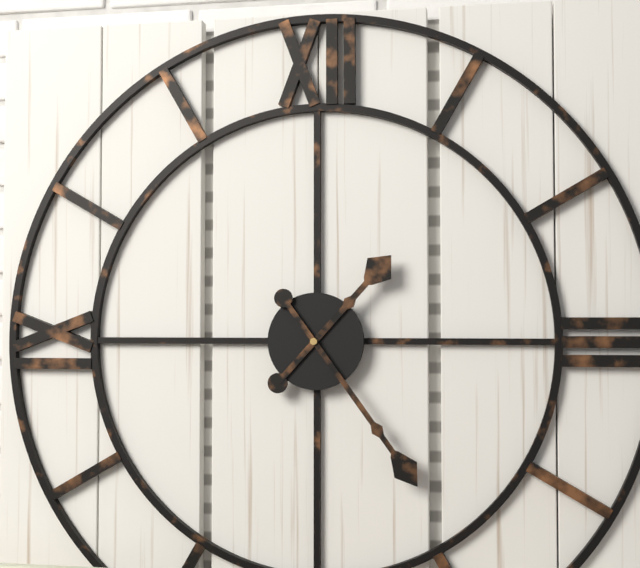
1:24
